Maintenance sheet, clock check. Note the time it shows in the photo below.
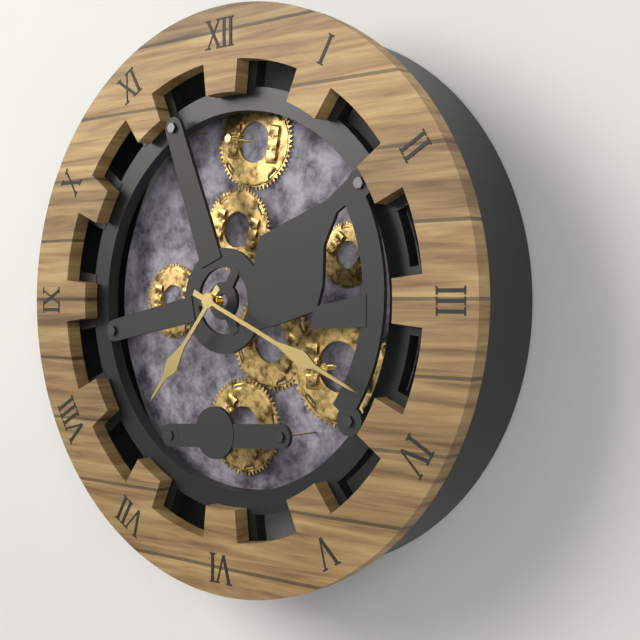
7:19
